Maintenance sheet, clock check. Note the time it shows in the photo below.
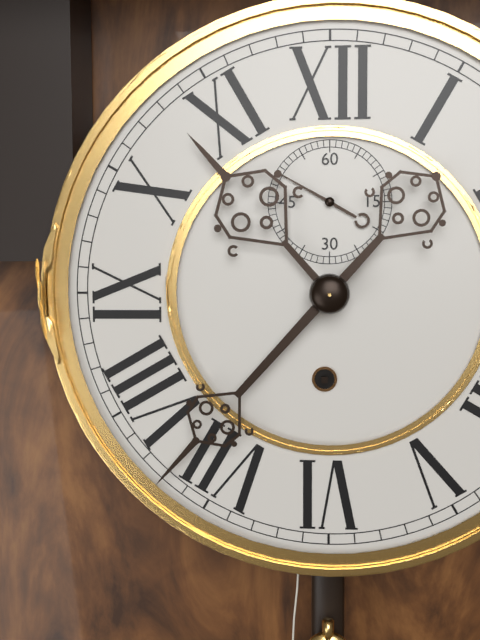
10:37:50
